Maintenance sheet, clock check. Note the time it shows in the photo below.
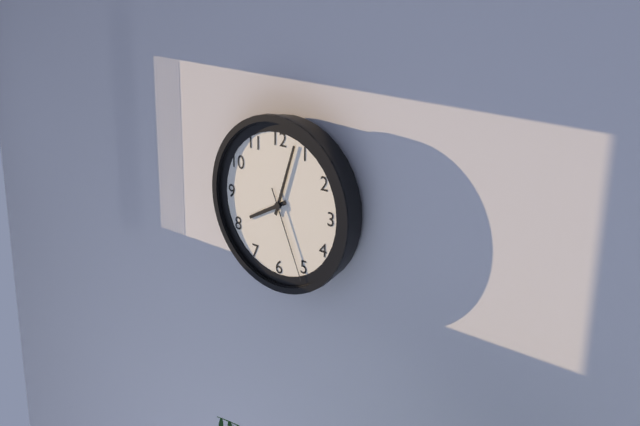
8:03:26
